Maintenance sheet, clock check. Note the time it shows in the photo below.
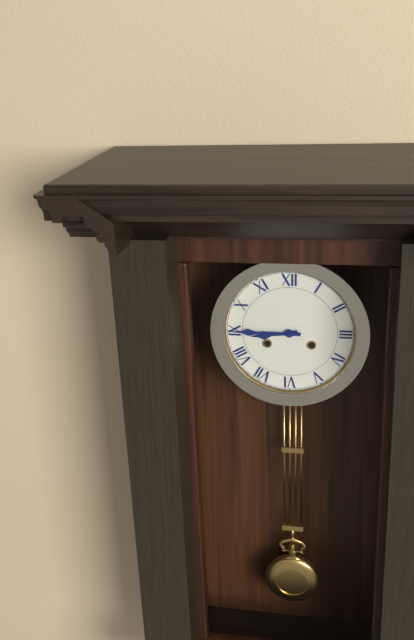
8:45
